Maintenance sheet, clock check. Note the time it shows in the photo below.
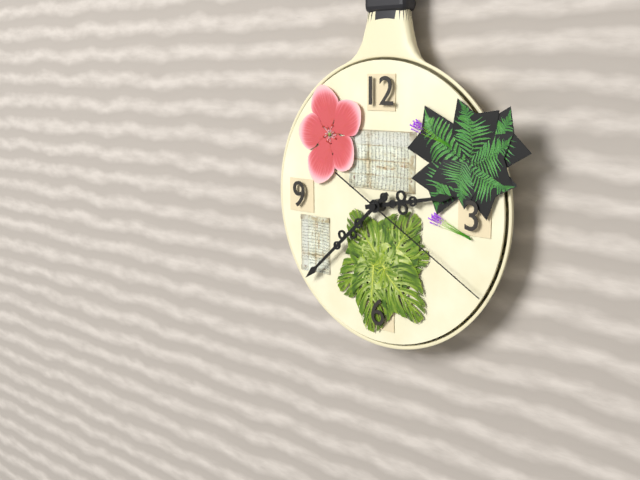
2:38:20
